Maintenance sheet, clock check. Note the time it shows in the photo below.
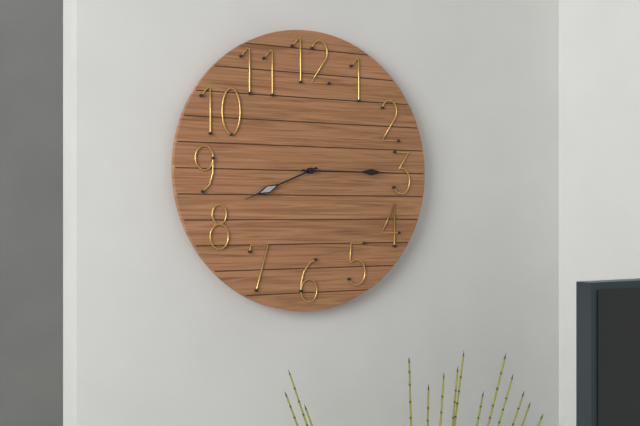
8:15
